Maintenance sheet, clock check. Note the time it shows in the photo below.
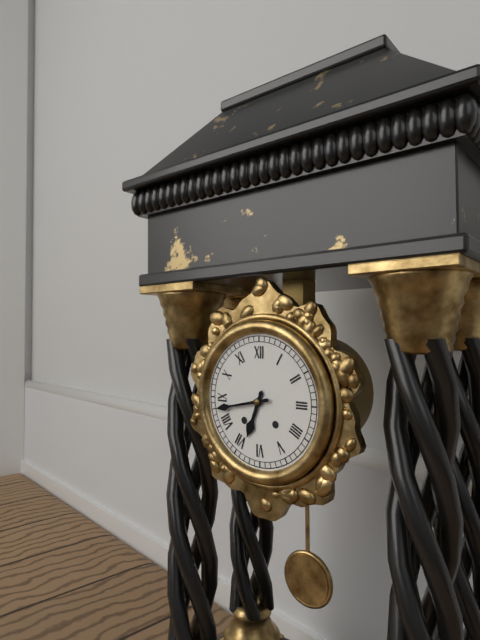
6:43
